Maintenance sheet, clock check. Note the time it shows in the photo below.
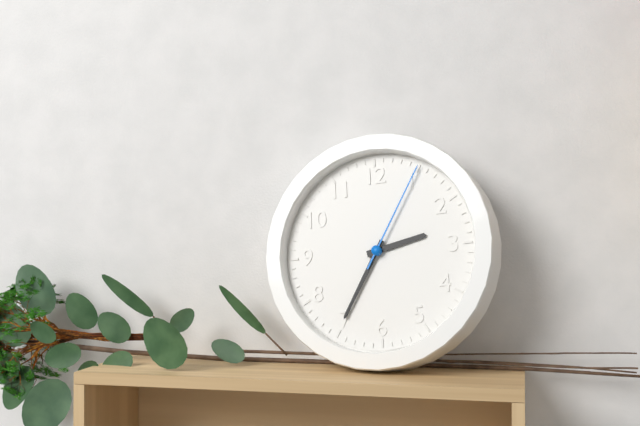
2:35:05
